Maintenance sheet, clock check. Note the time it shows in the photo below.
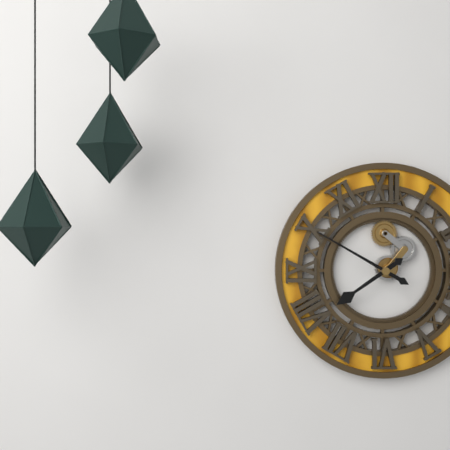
7:50
